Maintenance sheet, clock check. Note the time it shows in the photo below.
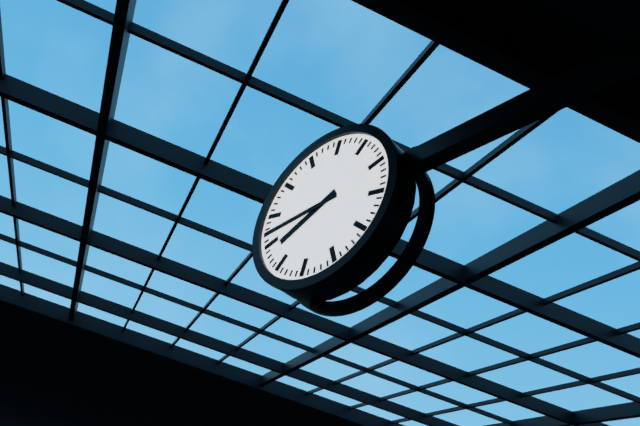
7:42
